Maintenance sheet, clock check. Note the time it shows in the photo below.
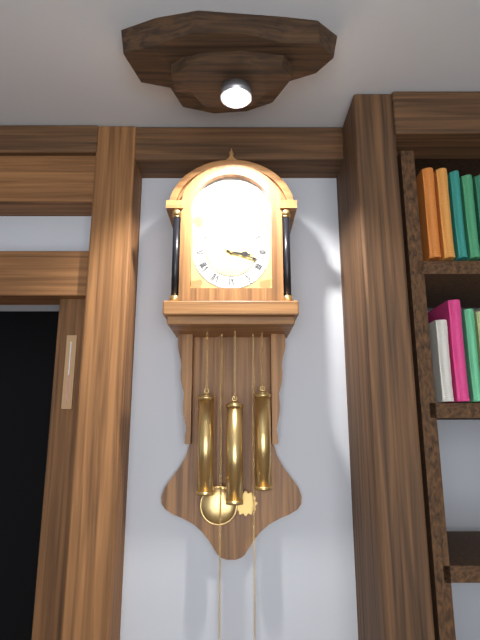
3:18
